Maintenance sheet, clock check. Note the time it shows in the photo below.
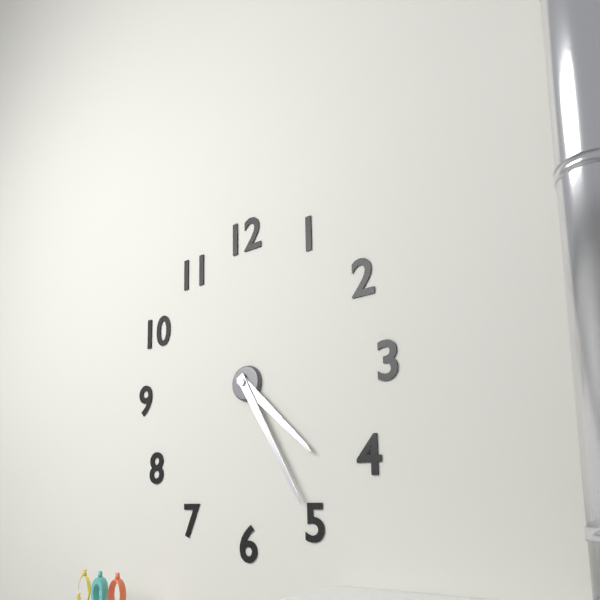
4:25
